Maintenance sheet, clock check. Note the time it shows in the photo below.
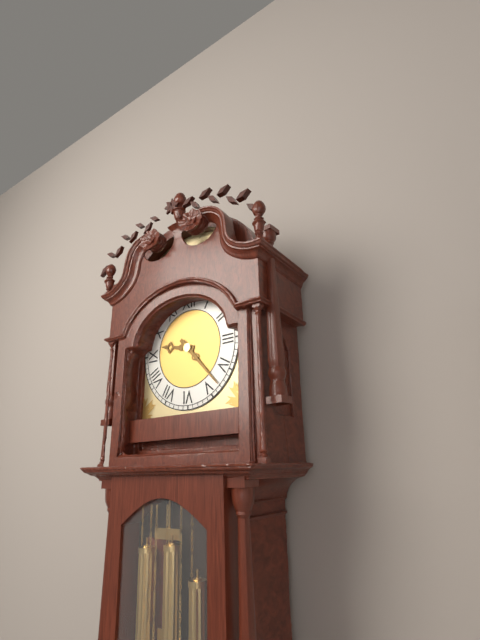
9:23
